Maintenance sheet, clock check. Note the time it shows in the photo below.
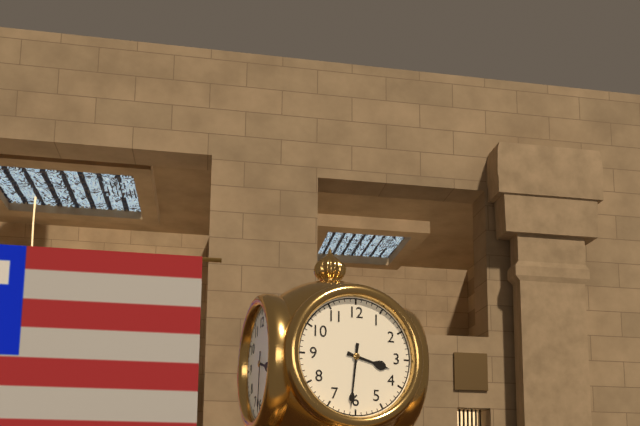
3:31
